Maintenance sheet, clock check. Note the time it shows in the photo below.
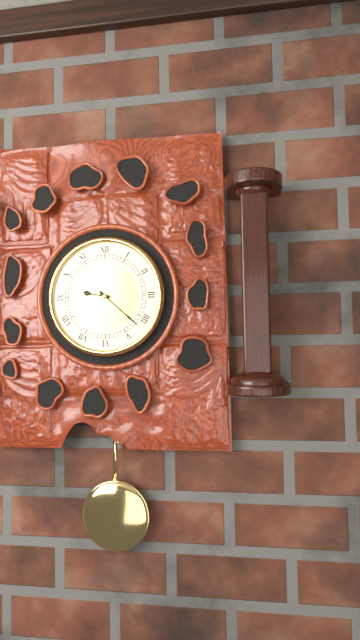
9:22
